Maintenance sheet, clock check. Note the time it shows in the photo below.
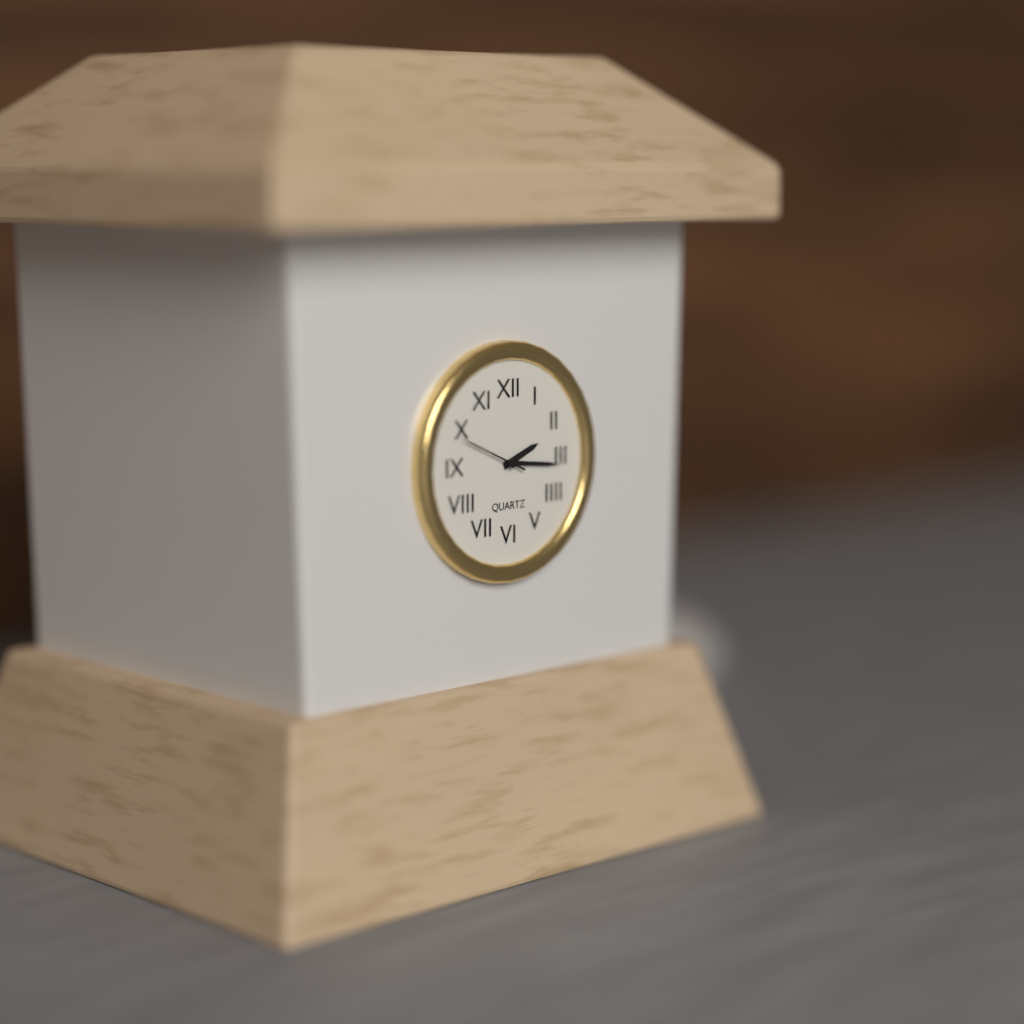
2:16:49
